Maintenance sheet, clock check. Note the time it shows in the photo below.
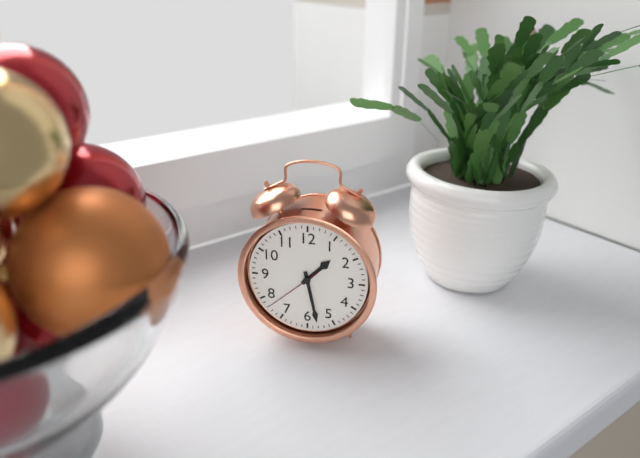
1:28:38
